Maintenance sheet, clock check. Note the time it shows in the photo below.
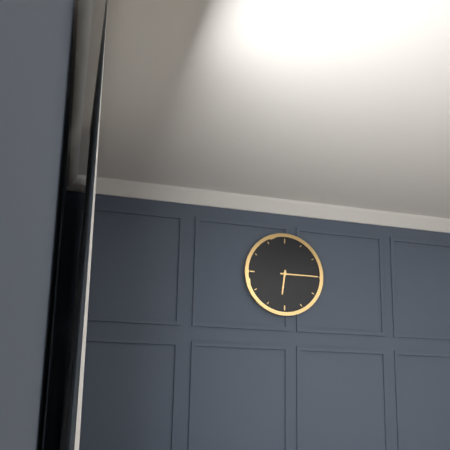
6:15
